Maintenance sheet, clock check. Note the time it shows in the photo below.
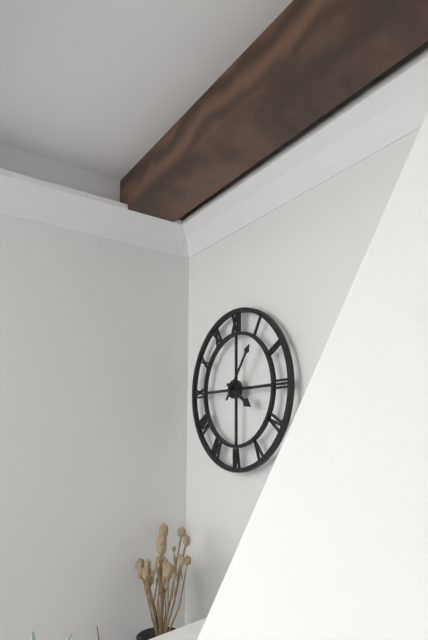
4:06
